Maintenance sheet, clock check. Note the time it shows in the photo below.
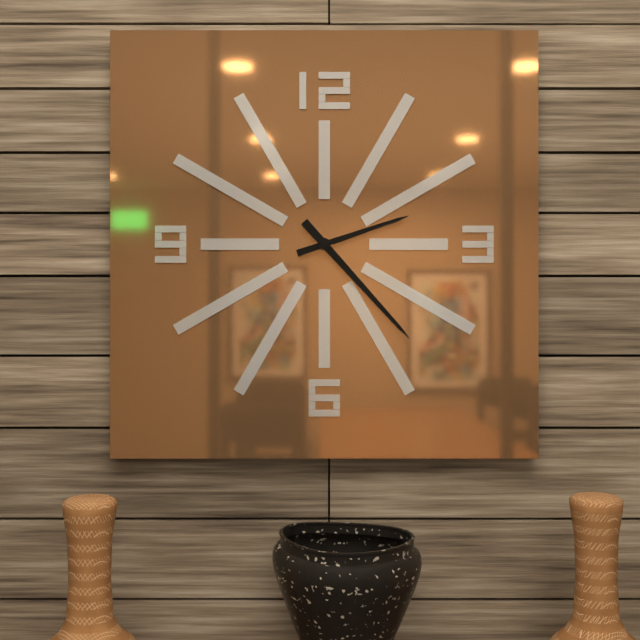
2:23
